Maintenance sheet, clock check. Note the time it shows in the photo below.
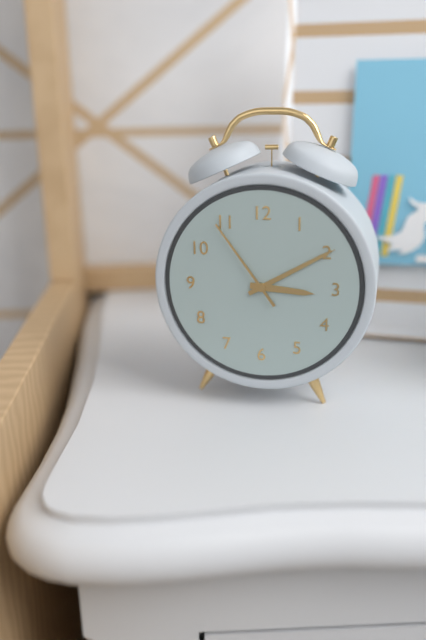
3:10:54
